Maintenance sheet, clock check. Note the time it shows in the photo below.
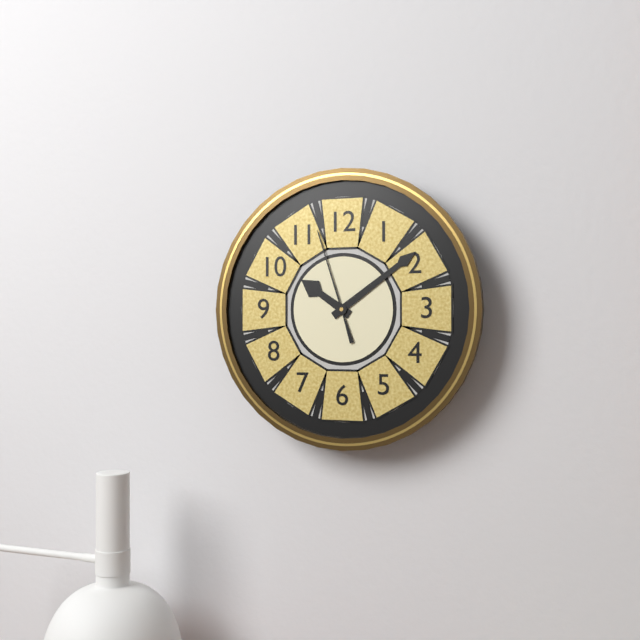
10:09:57
